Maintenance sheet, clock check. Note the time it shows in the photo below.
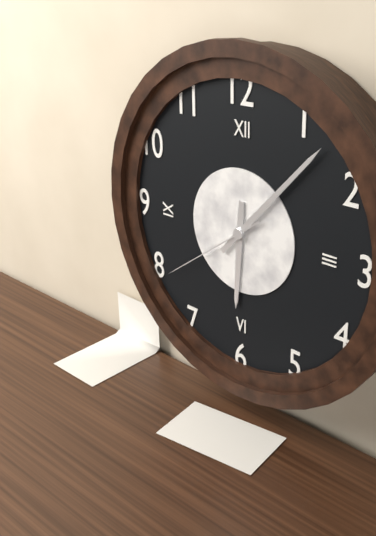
6:07:39
